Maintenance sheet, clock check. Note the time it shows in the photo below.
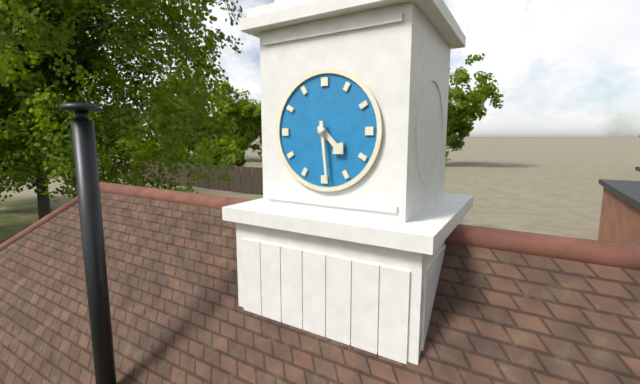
4:29
